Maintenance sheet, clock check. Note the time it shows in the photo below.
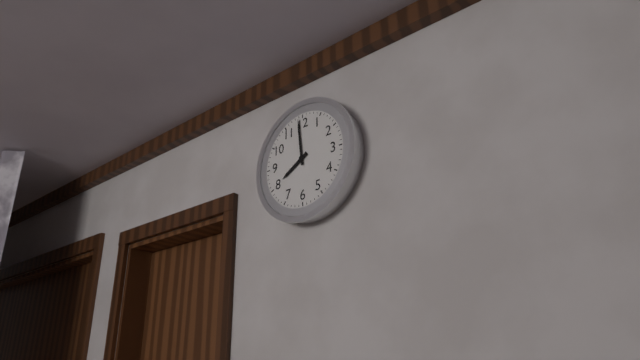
7:59
